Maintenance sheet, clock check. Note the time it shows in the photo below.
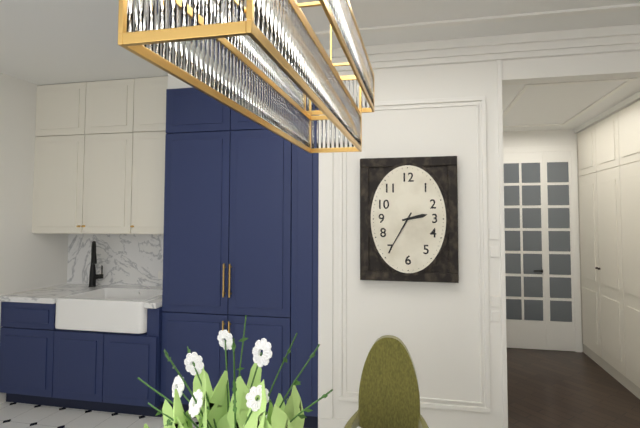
2:35
